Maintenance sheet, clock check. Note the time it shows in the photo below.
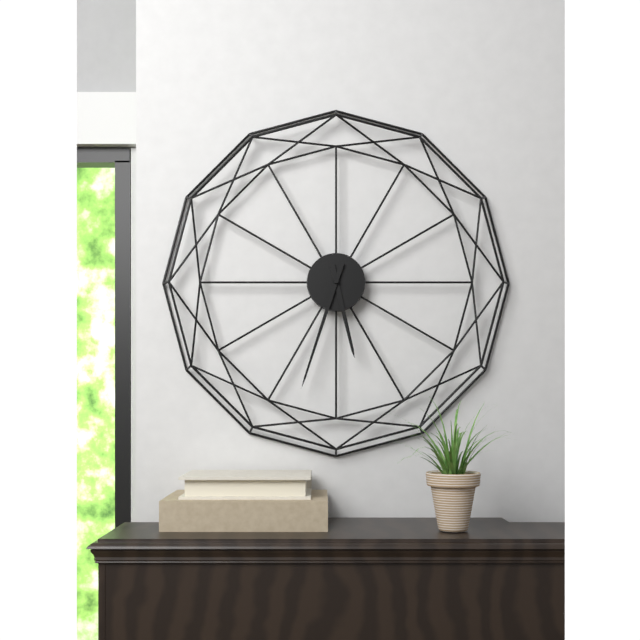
5:33
